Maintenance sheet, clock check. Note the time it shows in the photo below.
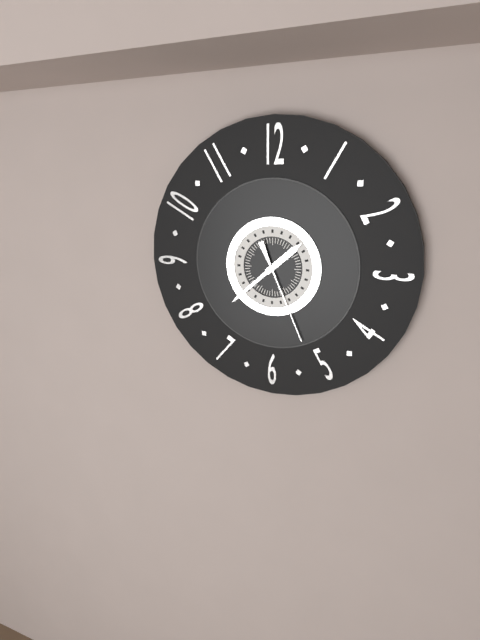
1:38:26
